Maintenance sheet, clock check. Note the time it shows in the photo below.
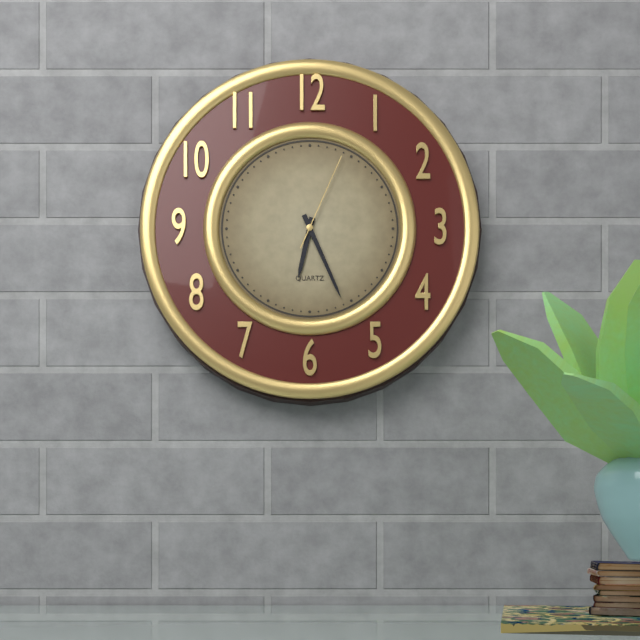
6:26:04
